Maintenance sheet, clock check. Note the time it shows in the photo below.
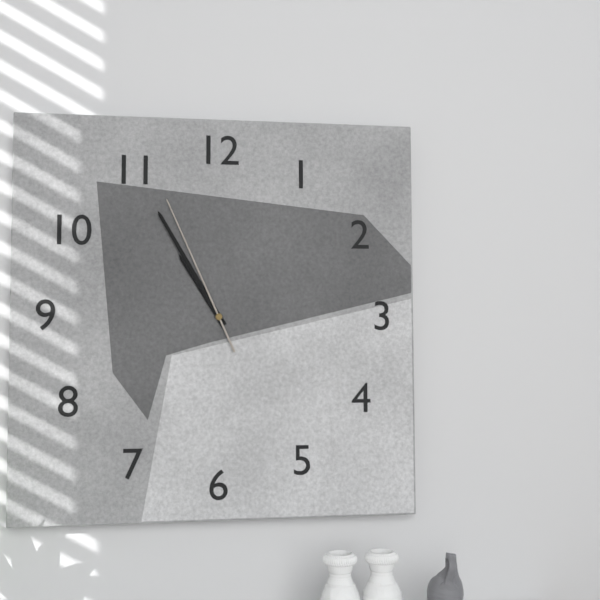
10:55:56
